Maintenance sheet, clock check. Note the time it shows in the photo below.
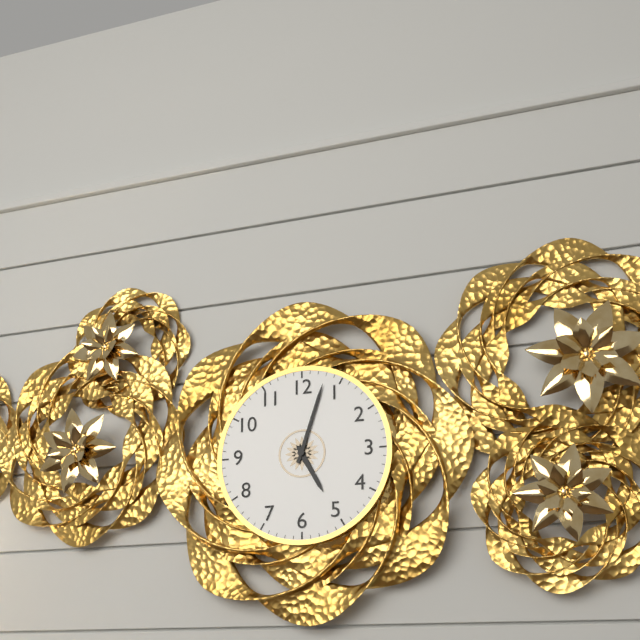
5:03
